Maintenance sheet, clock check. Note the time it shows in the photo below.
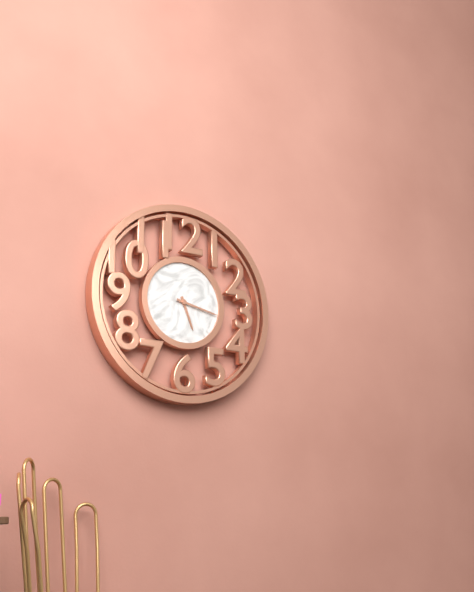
5:17
